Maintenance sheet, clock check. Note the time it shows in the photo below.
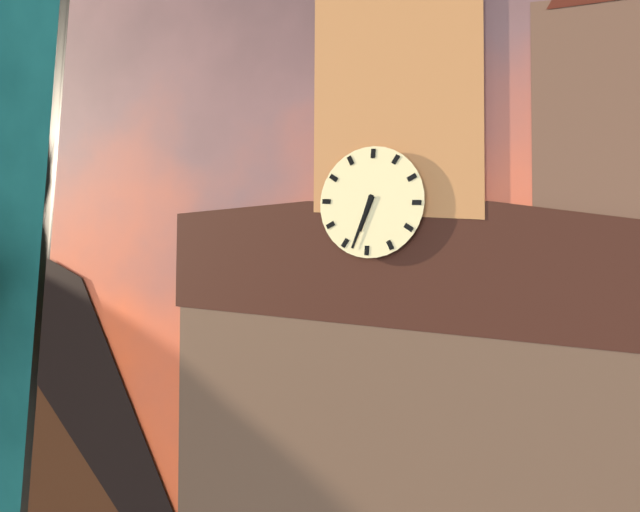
6:33
